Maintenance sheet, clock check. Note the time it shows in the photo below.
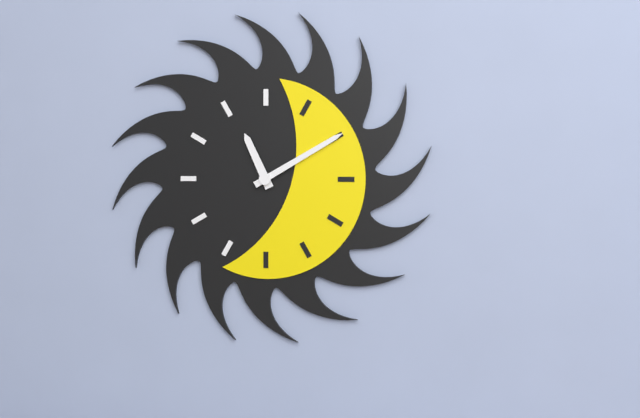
11:10
